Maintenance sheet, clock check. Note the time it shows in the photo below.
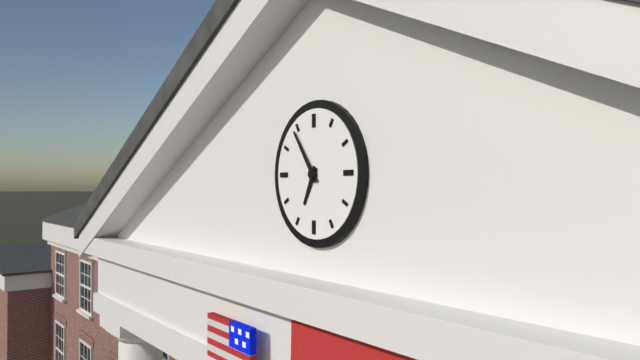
6:54
